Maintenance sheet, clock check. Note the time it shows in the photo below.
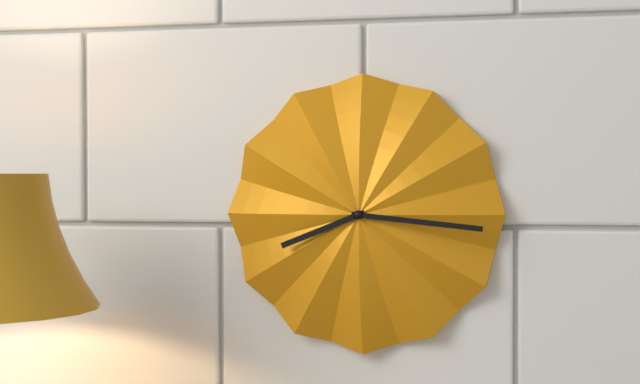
8:16
